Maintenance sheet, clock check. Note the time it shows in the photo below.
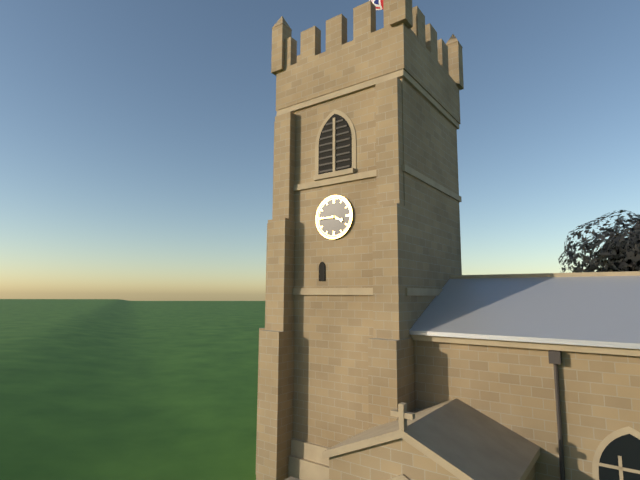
3:45
